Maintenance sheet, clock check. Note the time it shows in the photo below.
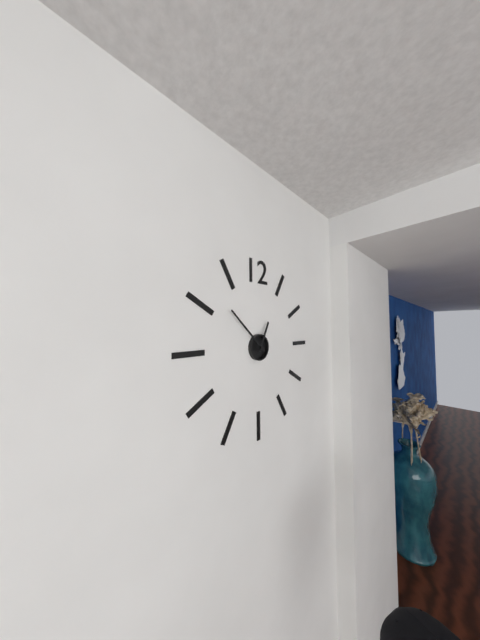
12:52
